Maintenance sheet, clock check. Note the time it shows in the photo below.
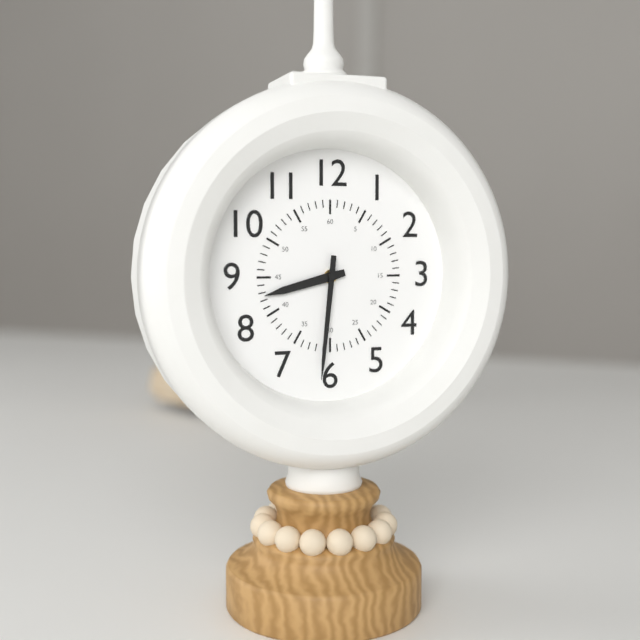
8:31
